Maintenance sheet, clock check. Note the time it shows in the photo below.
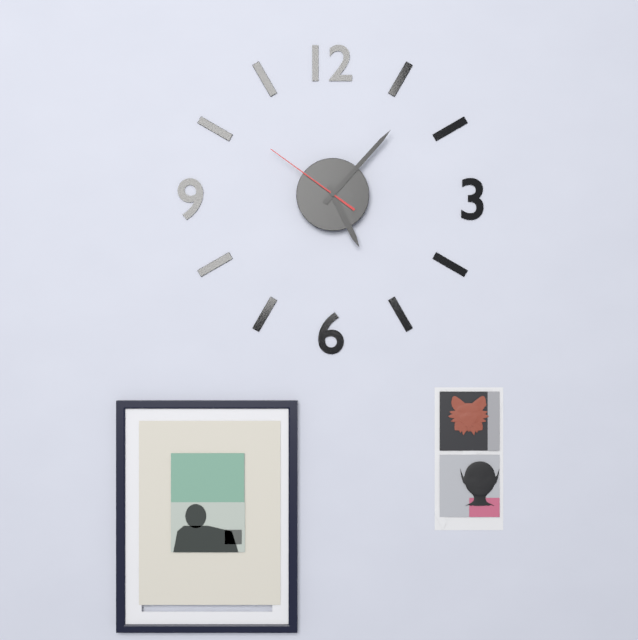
5:07:51
